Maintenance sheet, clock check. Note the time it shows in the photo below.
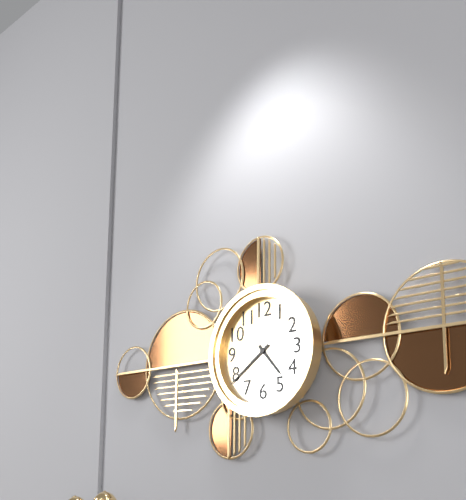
4:39
